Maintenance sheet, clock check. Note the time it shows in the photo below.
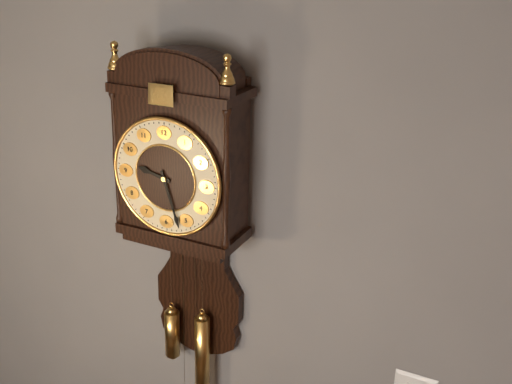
9:27
